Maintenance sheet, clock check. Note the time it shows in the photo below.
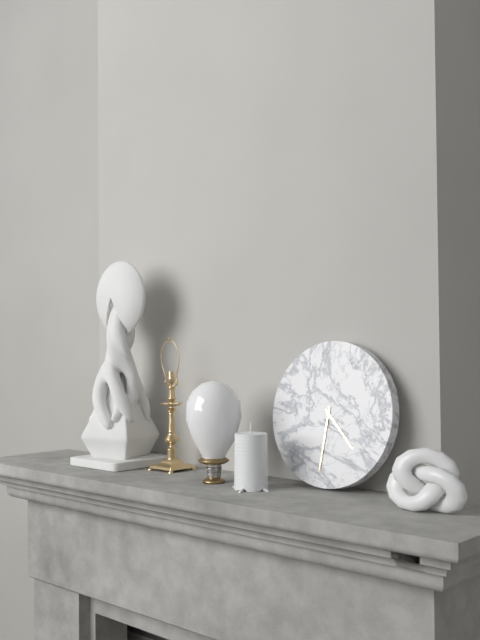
4:31
